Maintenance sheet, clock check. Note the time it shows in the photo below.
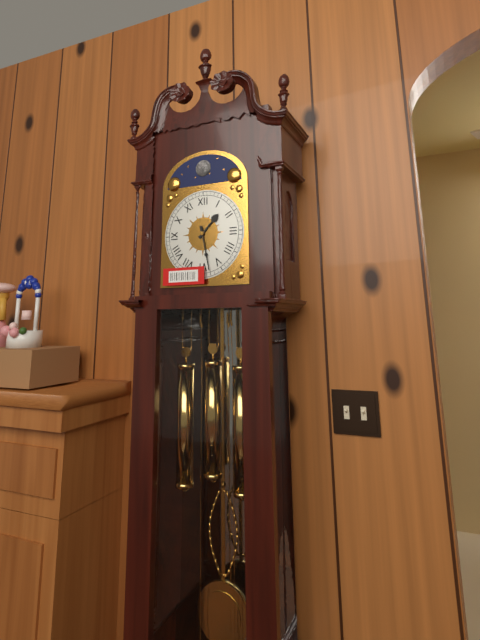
1:28
